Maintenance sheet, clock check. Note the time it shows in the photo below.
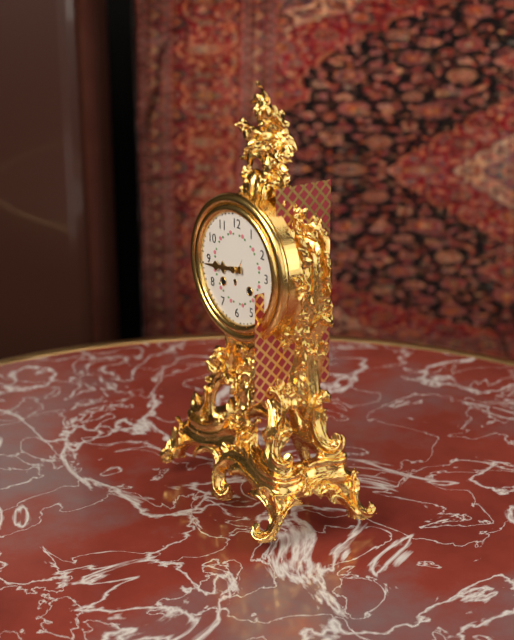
8:44
